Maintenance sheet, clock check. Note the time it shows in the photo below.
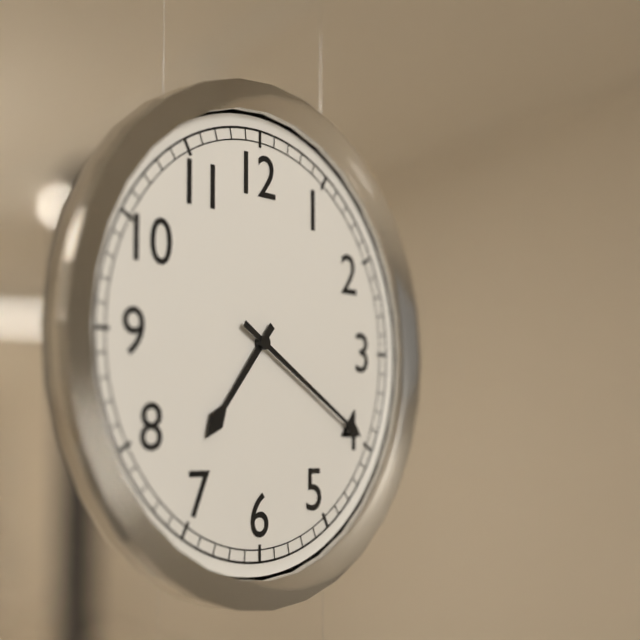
7:20
